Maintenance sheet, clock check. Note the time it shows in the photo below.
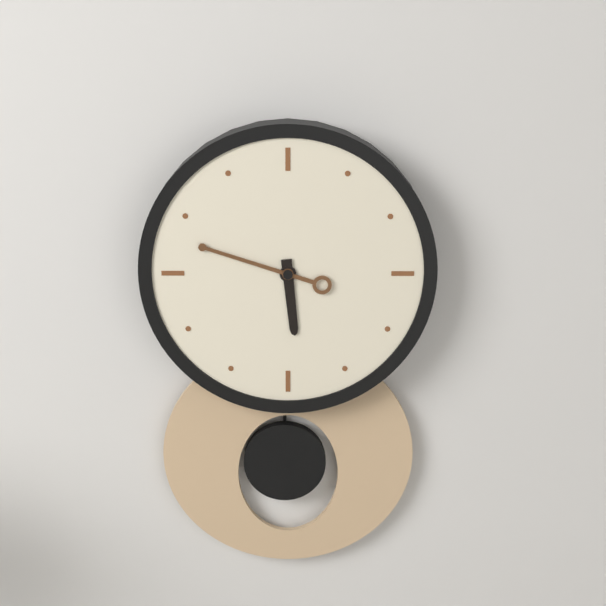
5:48
